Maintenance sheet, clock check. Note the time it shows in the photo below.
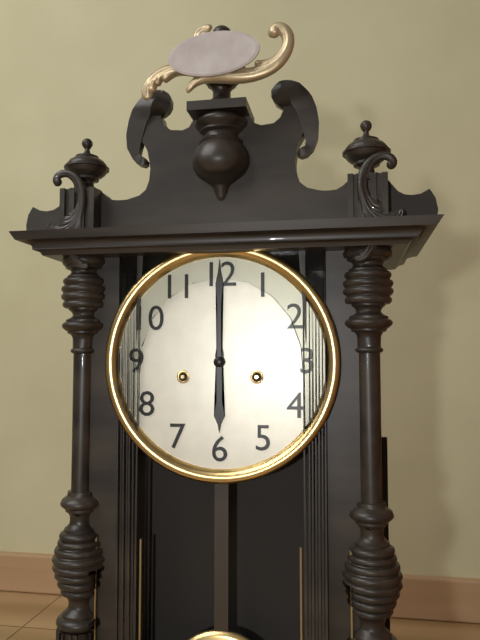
6:00
